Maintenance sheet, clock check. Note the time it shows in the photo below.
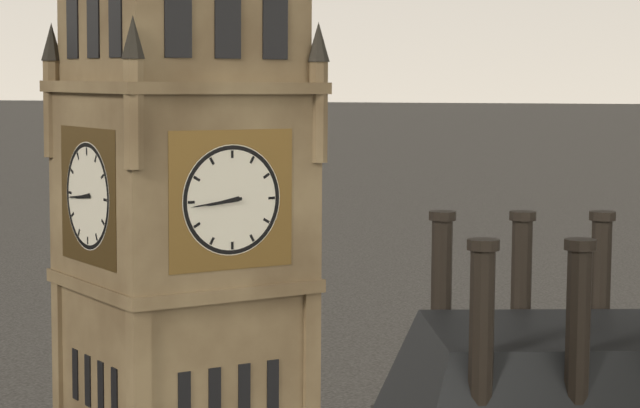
8:44
